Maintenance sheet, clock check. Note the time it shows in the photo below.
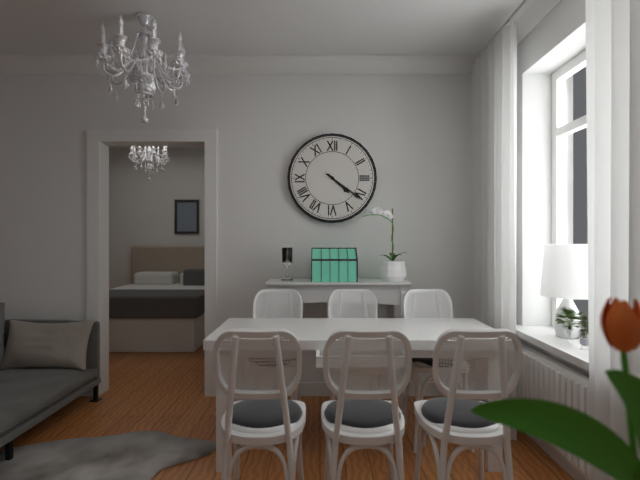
4:21
